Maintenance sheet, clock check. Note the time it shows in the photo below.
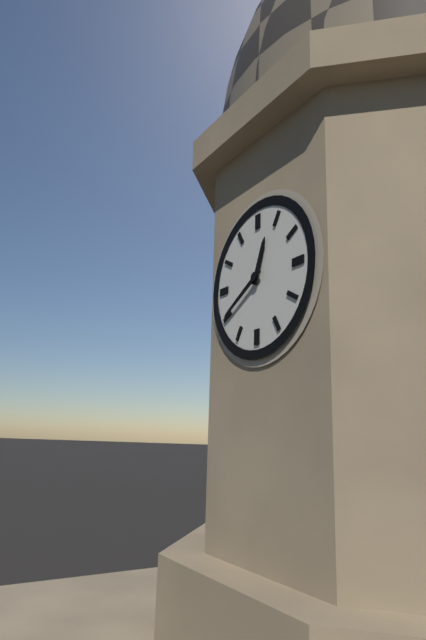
12:40
